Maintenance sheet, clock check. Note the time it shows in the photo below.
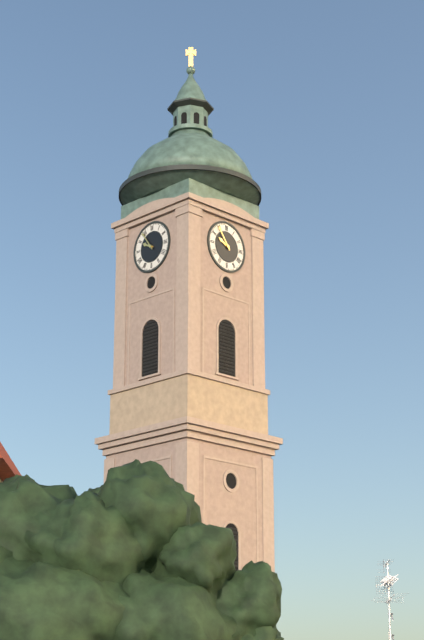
9:54
